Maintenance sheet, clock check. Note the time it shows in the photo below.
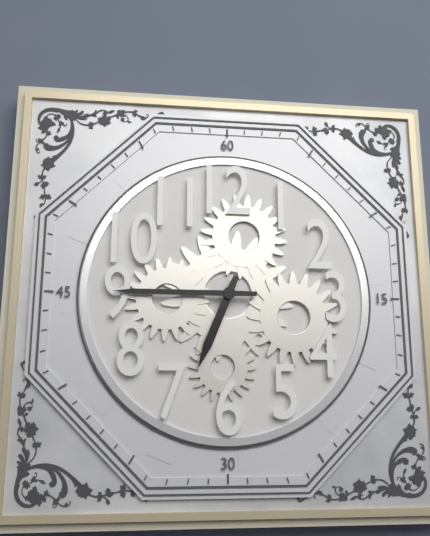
6:45
